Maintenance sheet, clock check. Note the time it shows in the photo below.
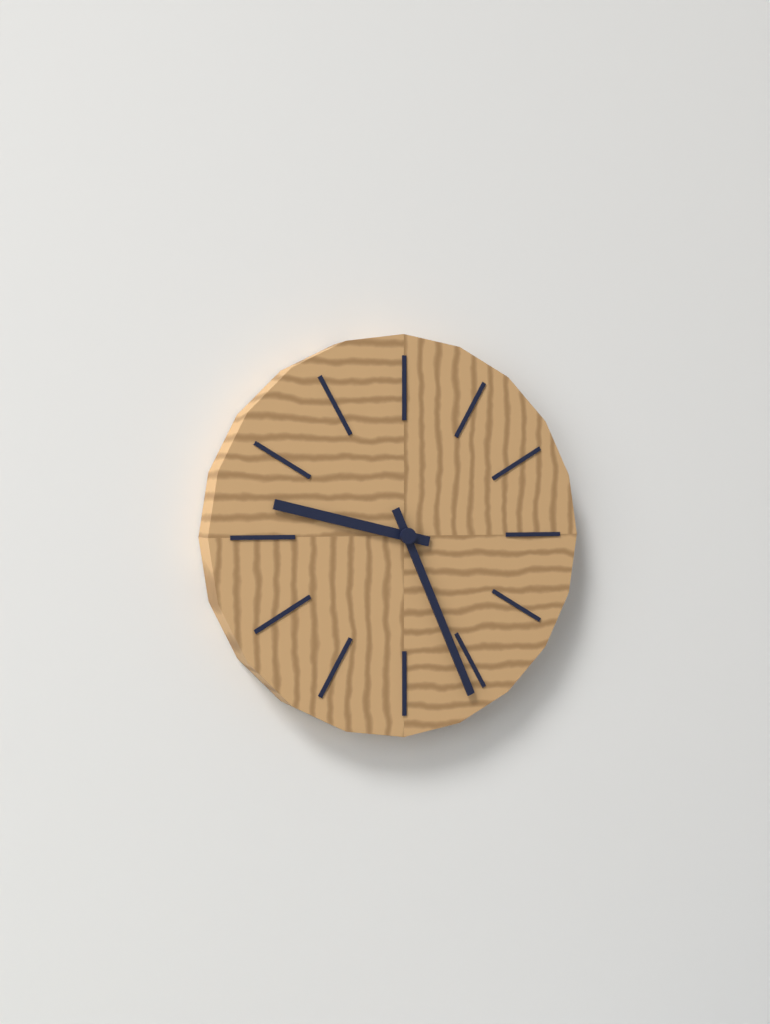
9:26
